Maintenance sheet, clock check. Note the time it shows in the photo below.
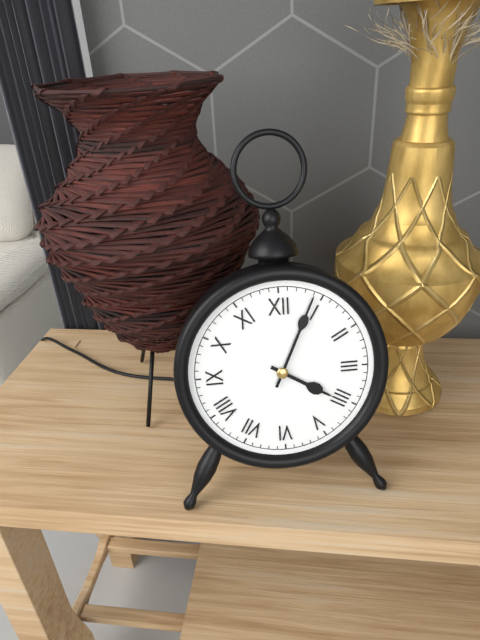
4:04
